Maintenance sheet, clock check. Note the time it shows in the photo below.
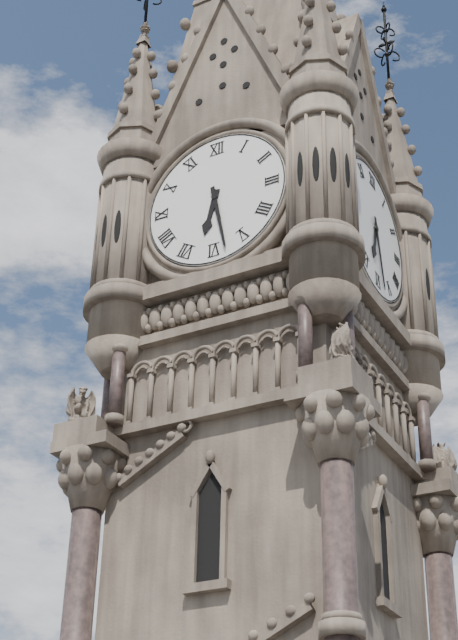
6:28
